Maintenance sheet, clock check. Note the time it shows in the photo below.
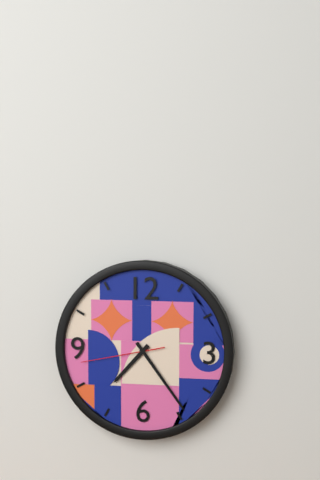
7:24:43
